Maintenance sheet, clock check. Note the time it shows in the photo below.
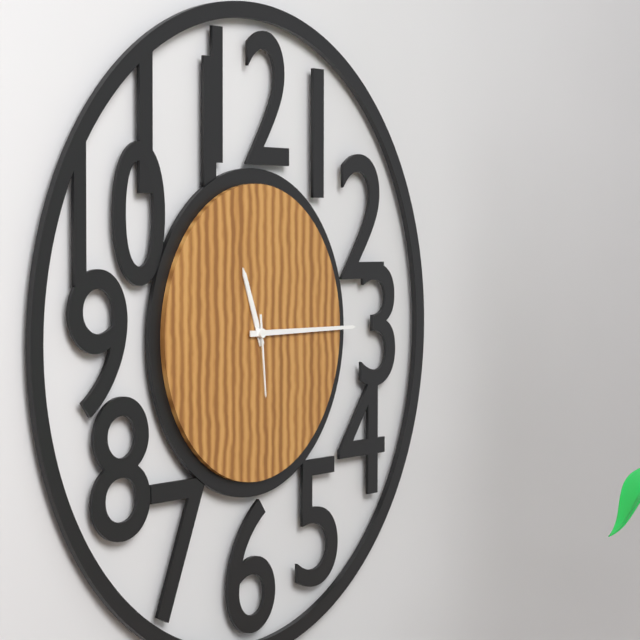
11:15:29
